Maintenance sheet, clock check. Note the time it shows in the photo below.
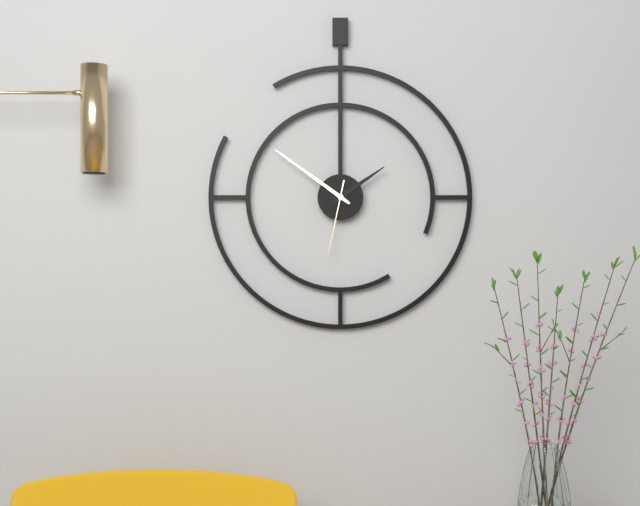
1:51:32
